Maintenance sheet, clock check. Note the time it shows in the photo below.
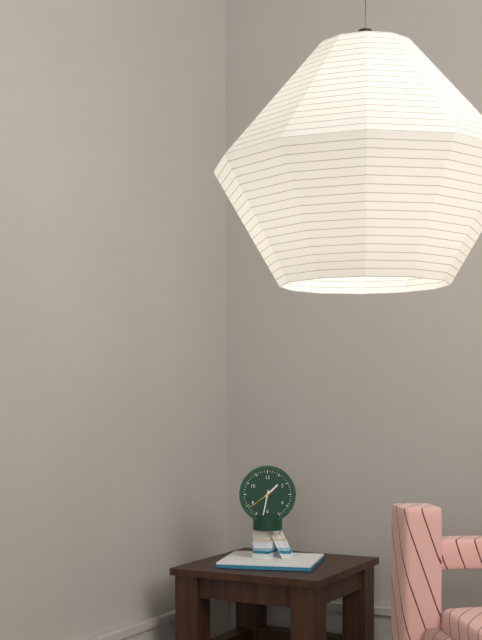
1:32
